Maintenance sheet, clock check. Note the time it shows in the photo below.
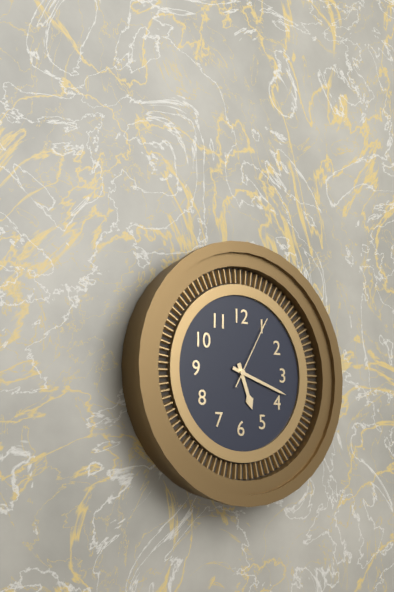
5:18:05
